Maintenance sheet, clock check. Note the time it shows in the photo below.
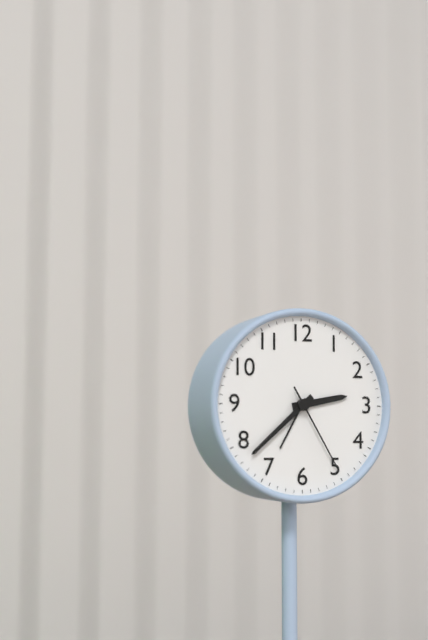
2:38:25
